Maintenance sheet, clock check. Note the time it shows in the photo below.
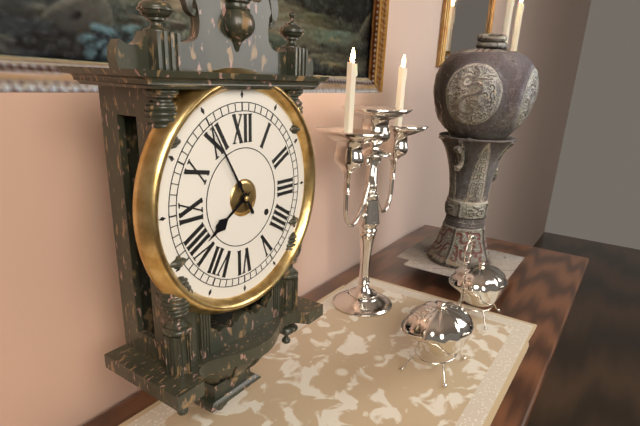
7:55
